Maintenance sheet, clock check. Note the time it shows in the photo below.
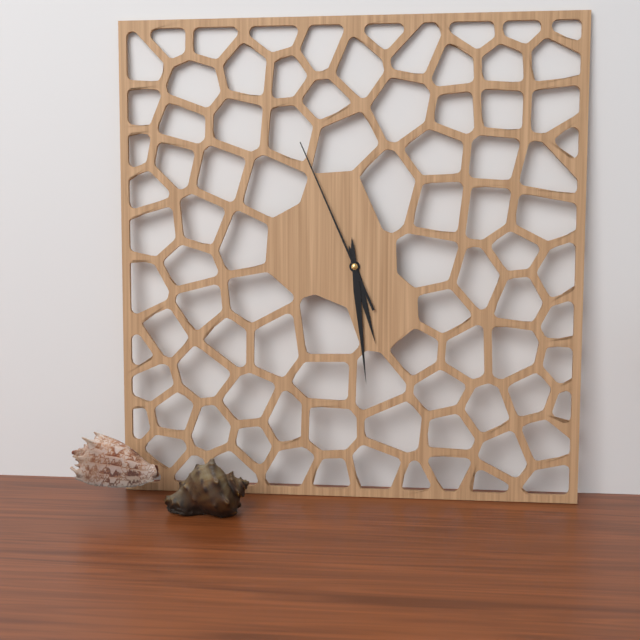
5:29:56
